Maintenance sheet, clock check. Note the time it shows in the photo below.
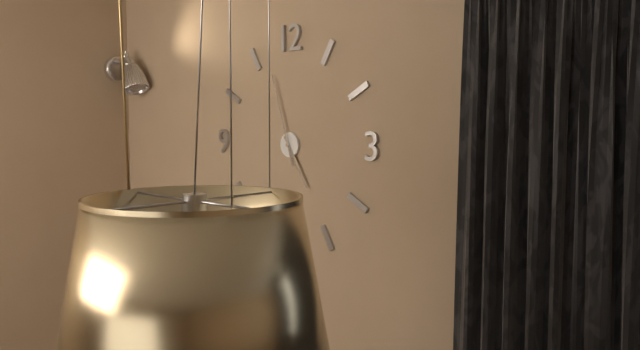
4:57
